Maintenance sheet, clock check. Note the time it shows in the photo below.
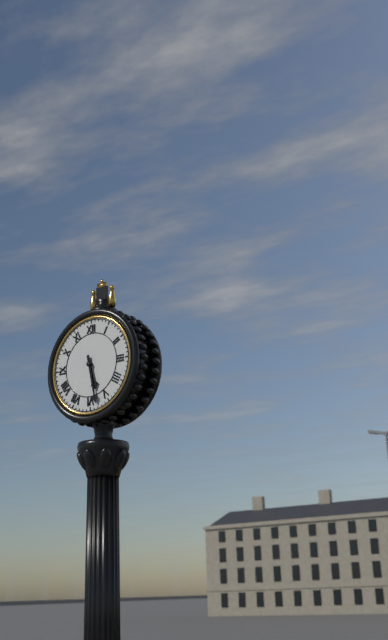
5:28
